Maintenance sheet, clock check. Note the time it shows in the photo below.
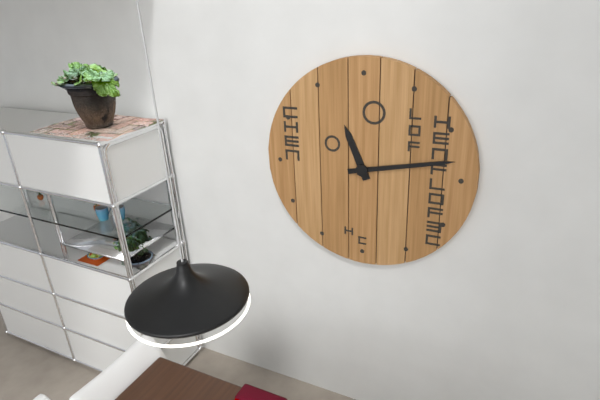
11:13
